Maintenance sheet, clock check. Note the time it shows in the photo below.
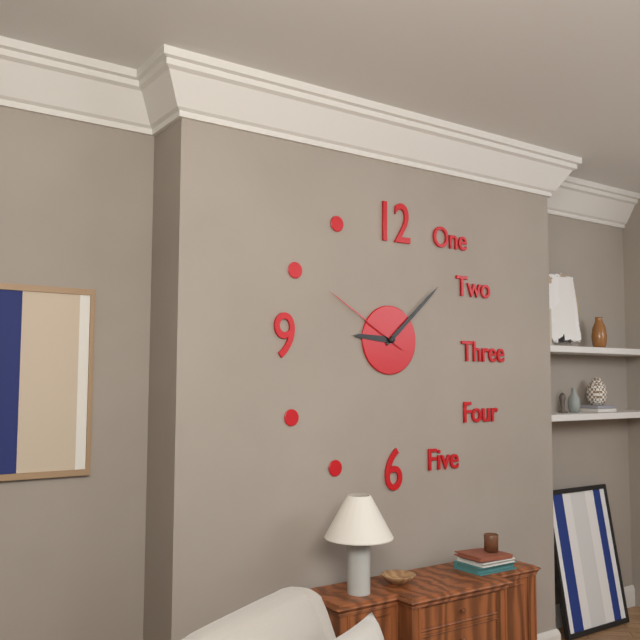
9:08:50
